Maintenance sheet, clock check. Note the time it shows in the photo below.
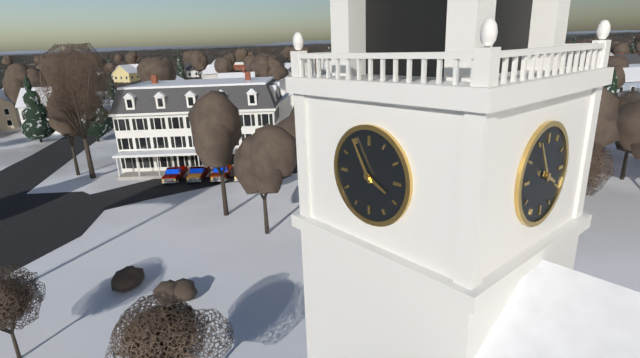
3:55
